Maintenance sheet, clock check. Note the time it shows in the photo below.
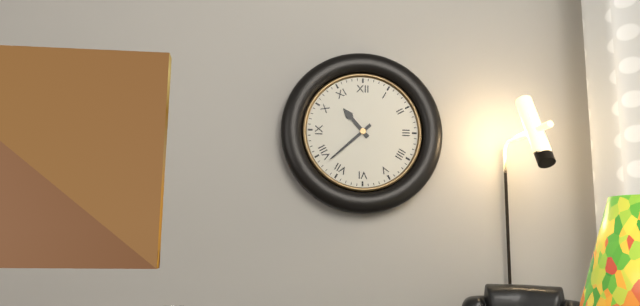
10:38
